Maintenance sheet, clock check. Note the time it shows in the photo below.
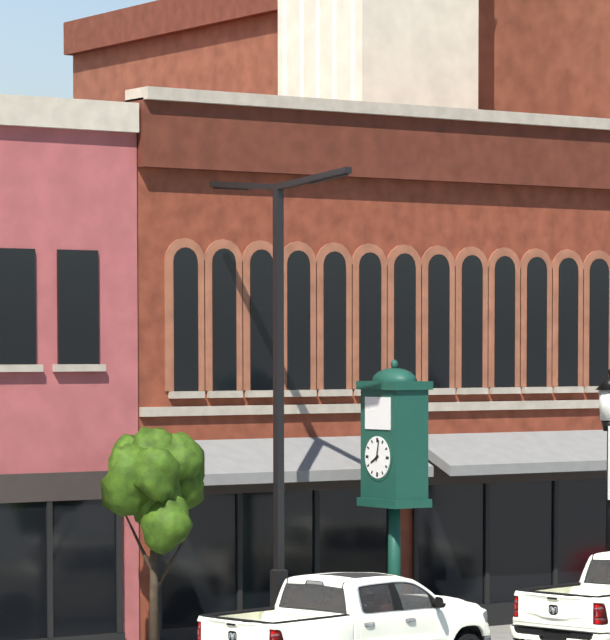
8:02
